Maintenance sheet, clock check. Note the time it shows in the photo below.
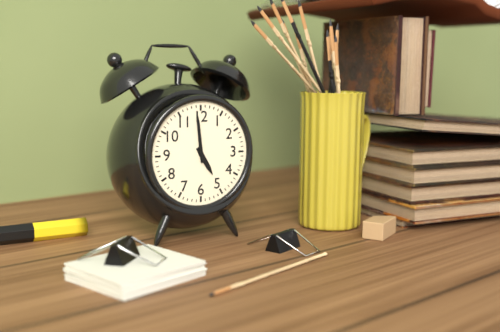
4:59
